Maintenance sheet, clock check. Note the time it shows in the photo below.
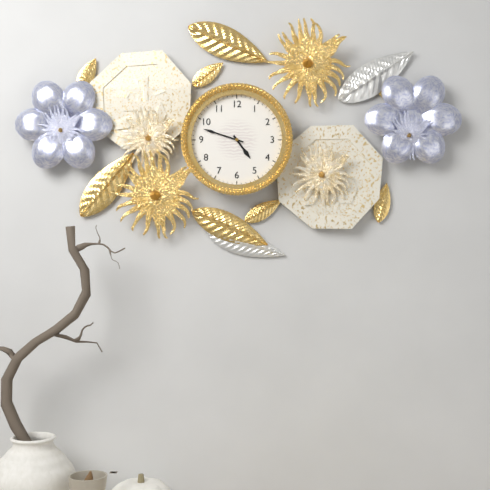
4:48
